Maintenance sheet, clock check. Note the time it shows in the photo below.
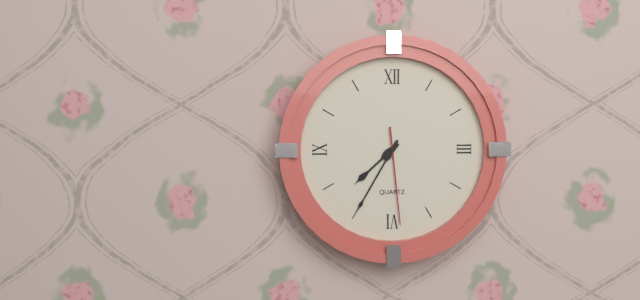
7:35:29
